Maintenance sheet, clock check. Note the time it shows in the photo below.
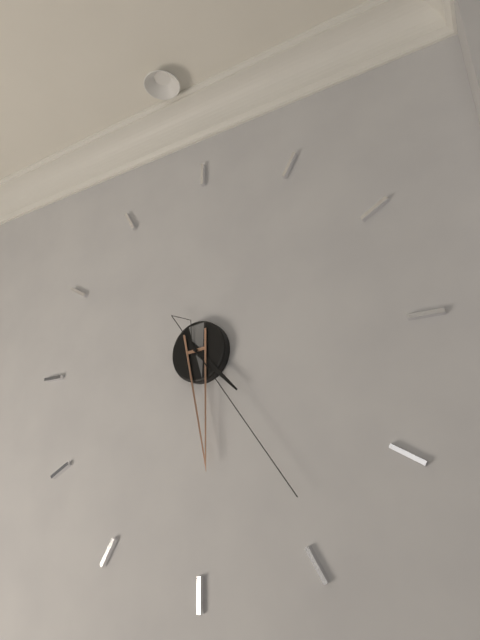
4:29:24
